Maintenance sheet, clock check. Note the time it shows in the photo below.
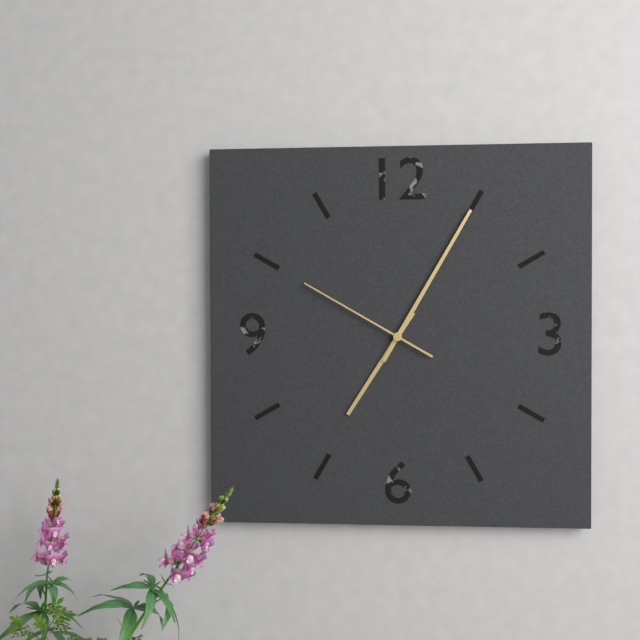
7:05:50
